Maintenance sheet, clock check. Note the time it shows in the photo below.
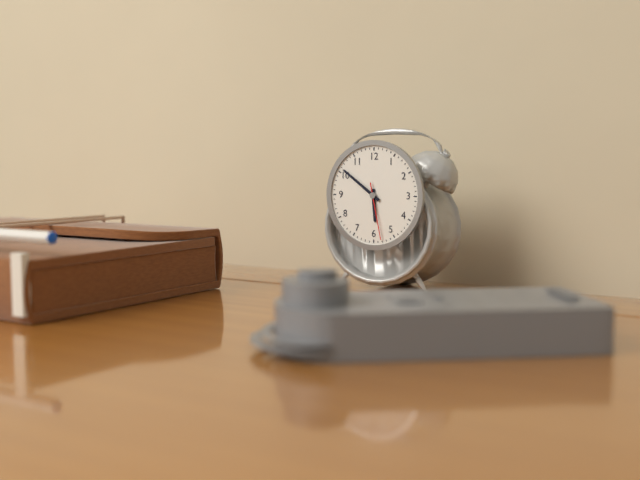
5:51:28
